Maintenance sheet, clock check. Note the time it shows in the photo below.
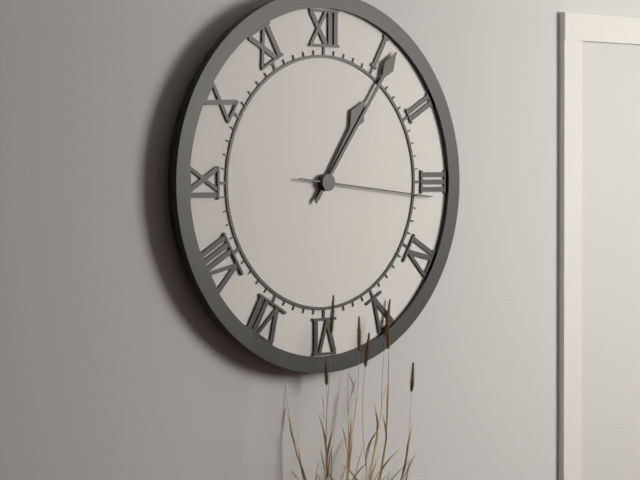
1:06:16
